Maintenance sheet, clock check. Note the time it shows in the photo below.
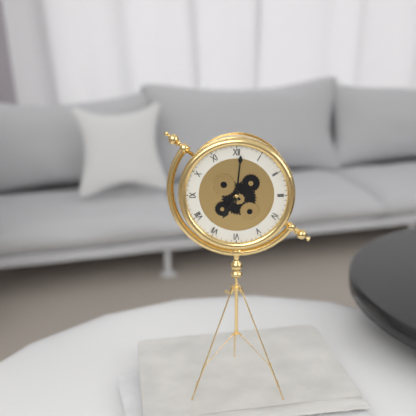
7:01
